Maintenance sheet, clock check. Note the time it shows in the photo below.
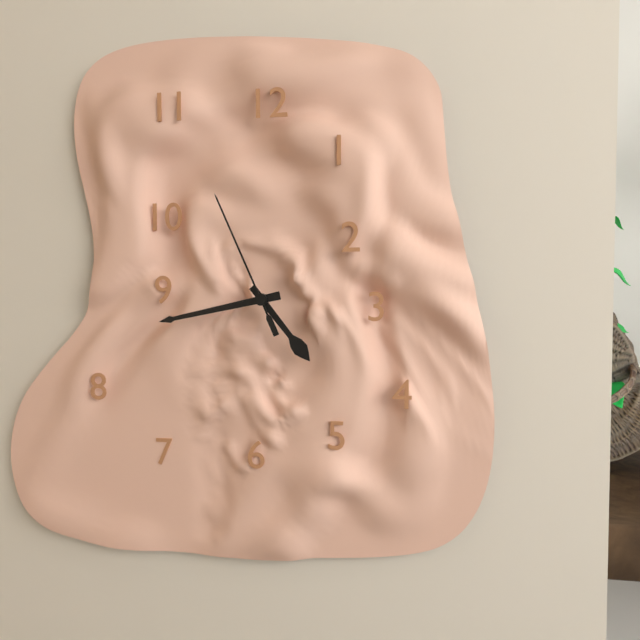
4:43:56
